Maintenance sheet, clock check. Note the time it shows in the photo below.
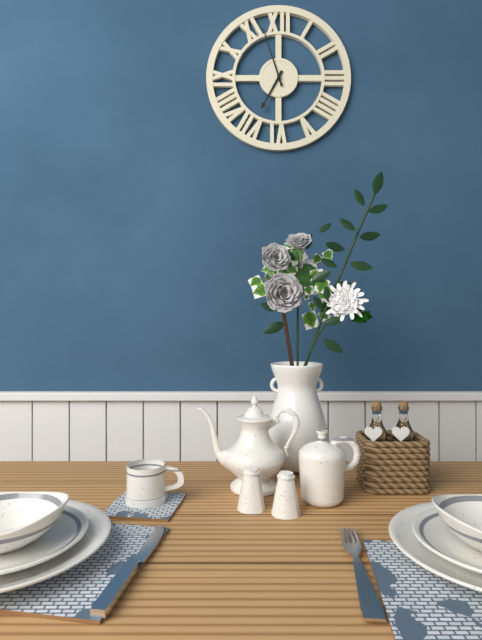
6:57
